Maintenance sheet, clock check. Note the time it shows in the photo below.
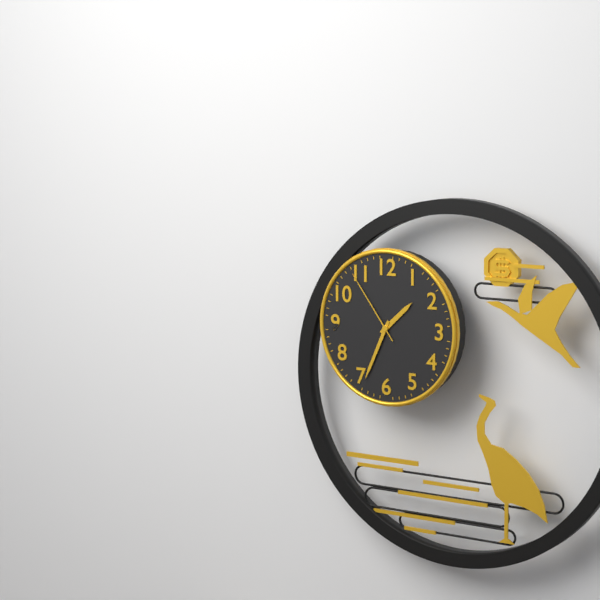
1:34:54
